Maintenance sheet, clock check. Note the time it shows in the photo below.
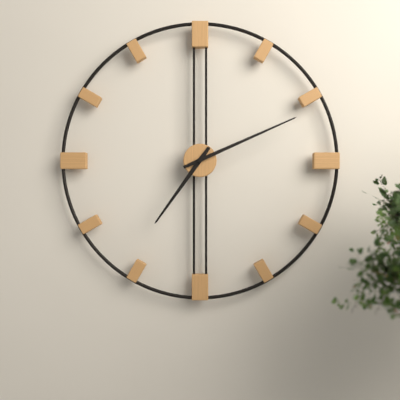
7:11
